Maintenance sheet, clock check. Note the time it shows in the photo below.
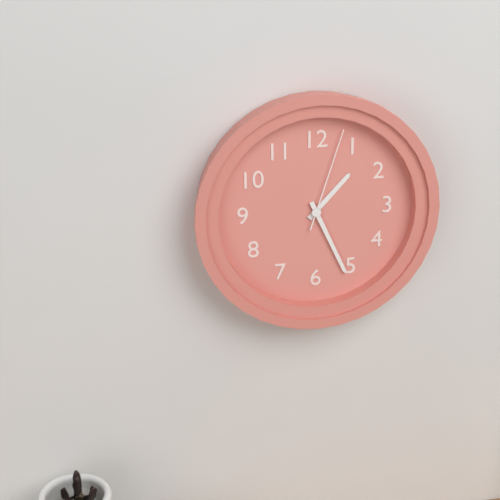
1:26:03
